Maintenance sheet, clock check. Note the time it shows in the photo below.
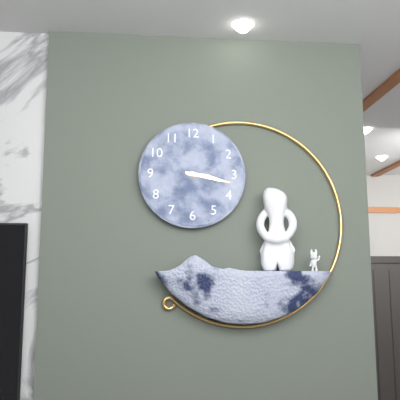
3:17
